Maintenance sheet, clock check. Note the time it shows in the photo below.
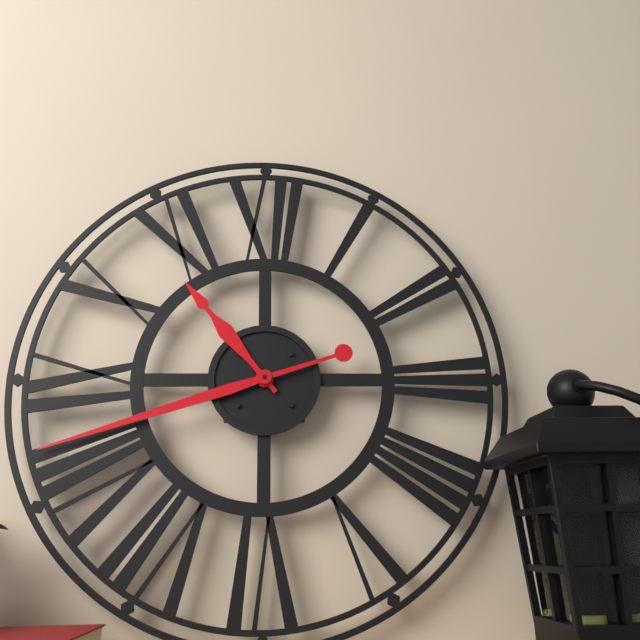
10:42
